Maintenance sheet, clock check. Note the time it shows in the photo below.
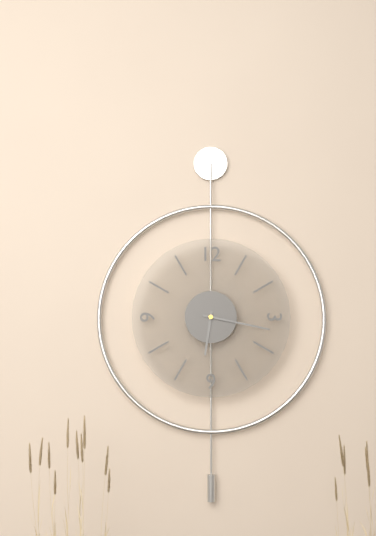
6:17
